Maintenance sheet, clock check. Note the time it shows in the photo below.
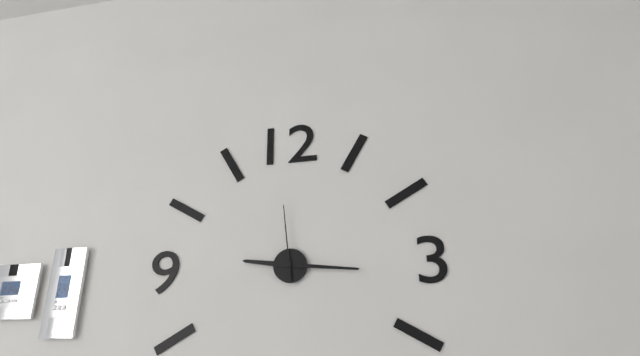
9:16:59
